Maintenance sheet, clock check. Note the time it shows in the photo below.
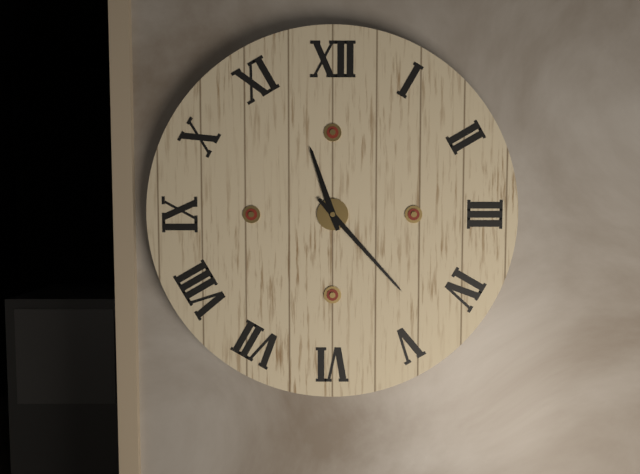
11:23
